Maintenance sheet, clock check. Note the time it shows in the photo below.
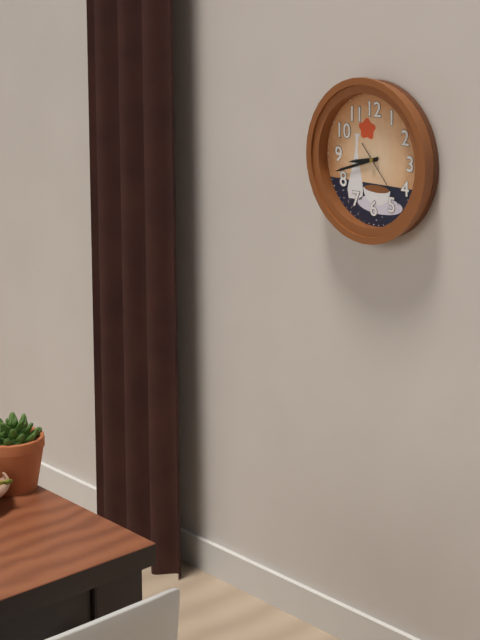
8:42:23
